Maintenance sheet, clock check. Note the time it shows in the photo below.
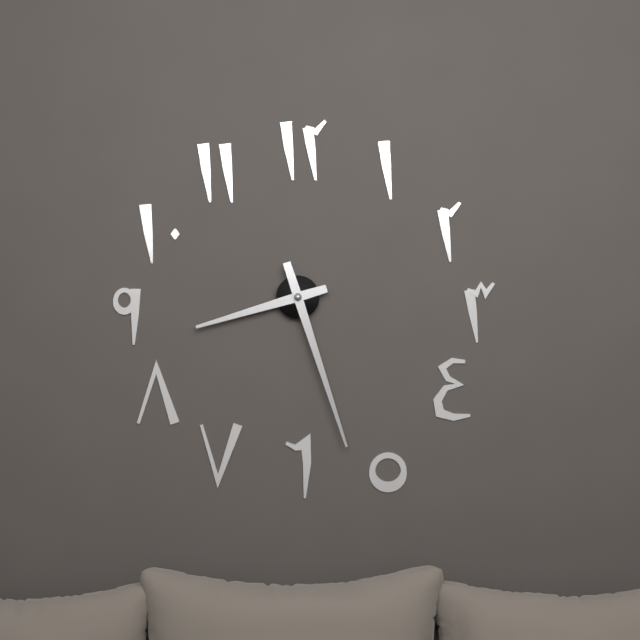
8:27
